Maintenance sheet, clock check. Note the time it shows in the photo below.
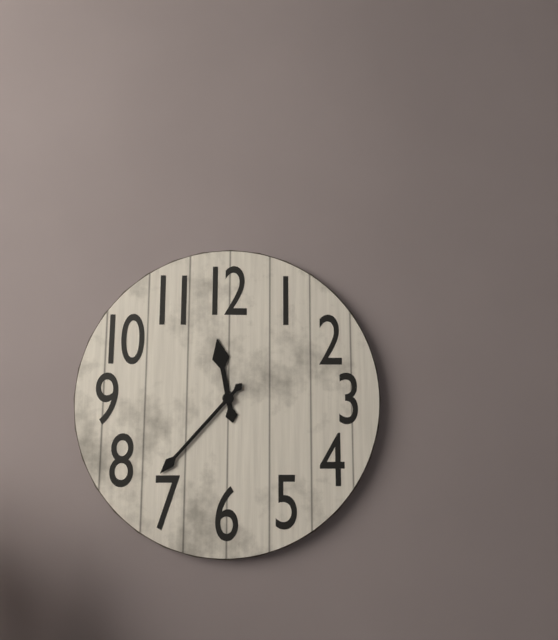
11:37
